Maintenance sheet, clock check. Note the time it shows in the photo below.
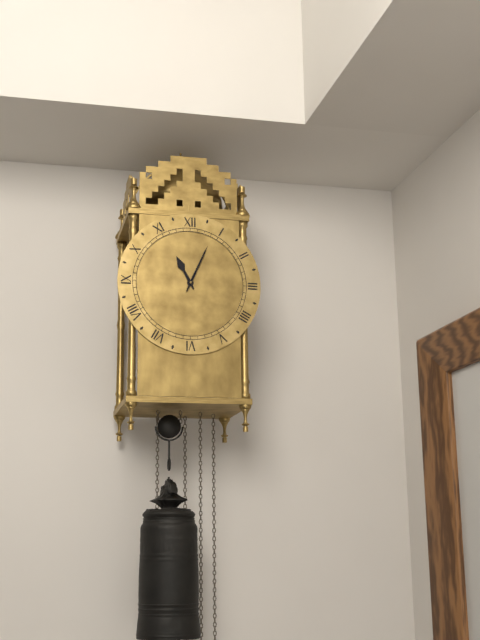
11:04
